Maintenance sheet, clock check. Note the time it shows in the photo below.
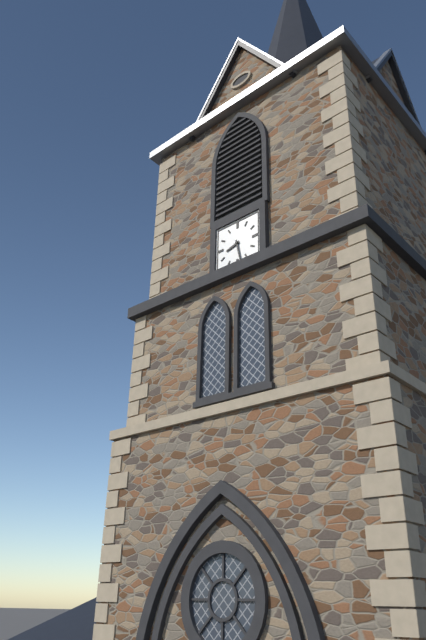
8:28
